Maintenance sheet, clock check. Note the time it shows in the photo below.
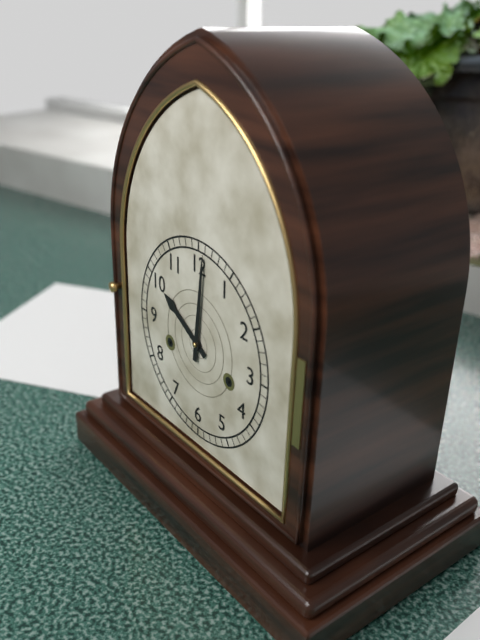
10:01
